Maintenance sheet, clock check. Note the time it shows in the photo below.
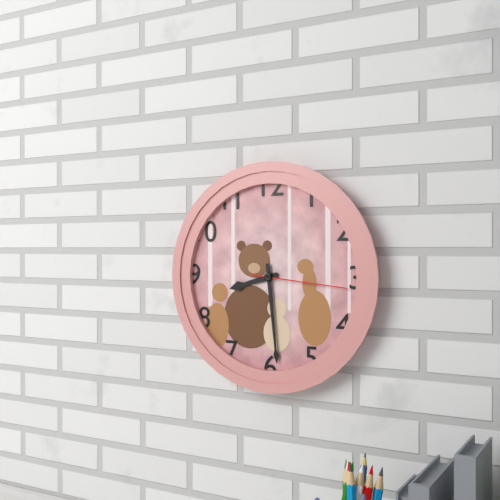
8:29:16
